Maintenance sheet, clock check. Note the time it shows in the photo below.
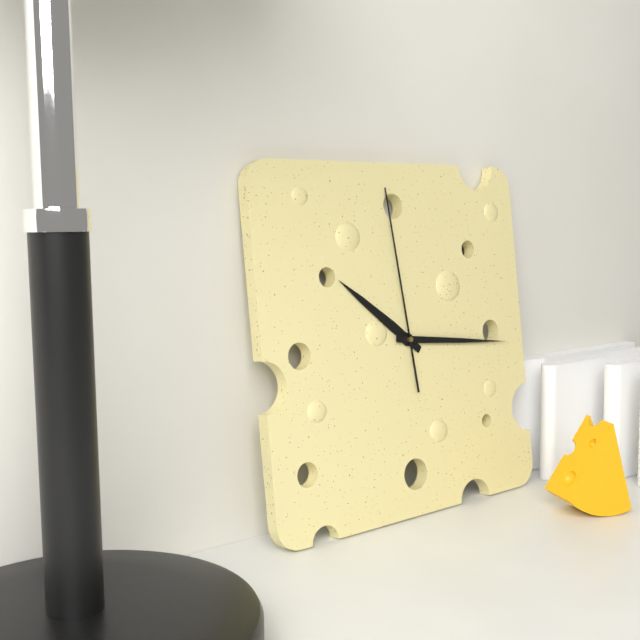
10:16:59
